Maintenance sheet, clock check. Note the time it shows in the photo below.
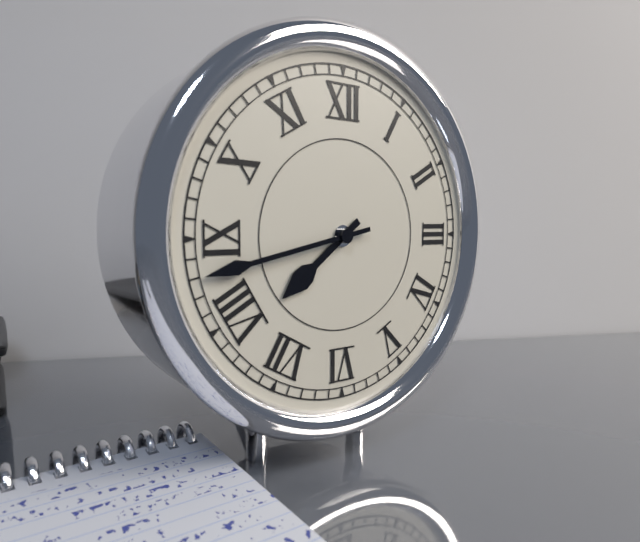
7:43
